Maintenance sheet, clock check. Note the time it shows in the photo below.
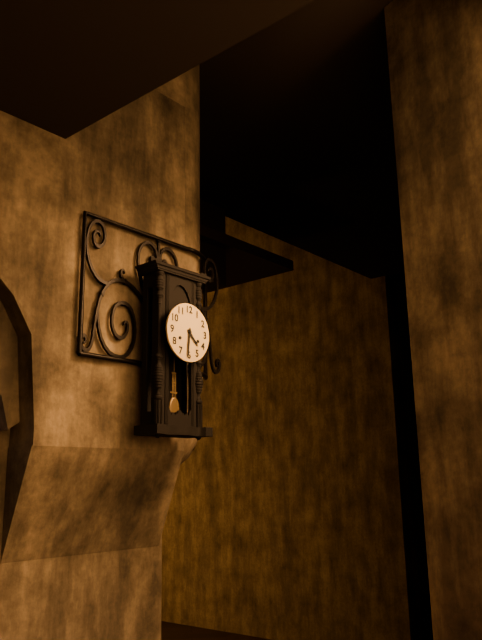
4:31
